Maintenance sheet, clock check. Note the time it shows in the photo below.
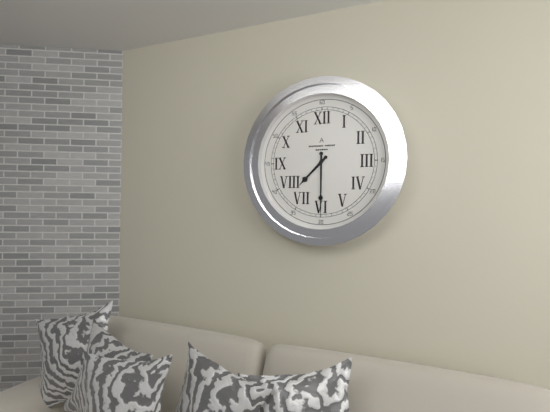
7:30
